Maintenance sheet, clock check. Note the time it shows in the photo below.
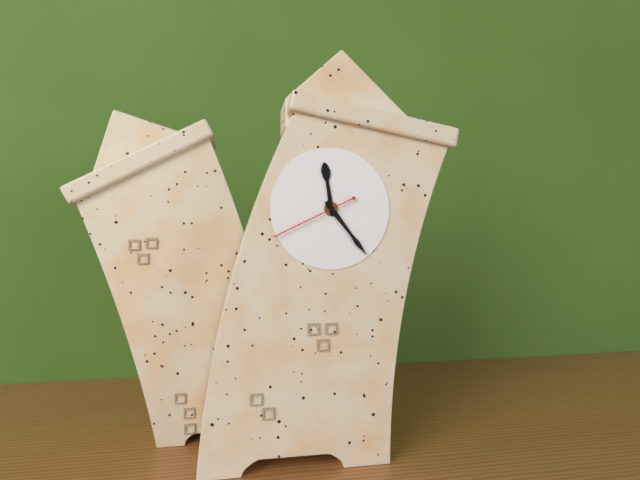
11:22:39
